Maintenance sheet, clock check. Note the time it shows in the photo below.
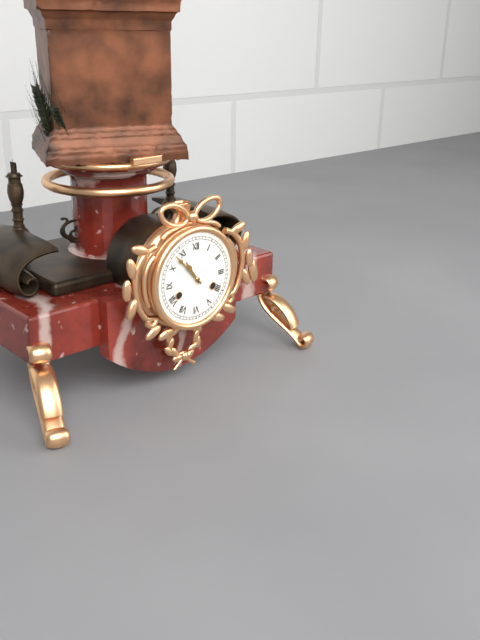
10:53
